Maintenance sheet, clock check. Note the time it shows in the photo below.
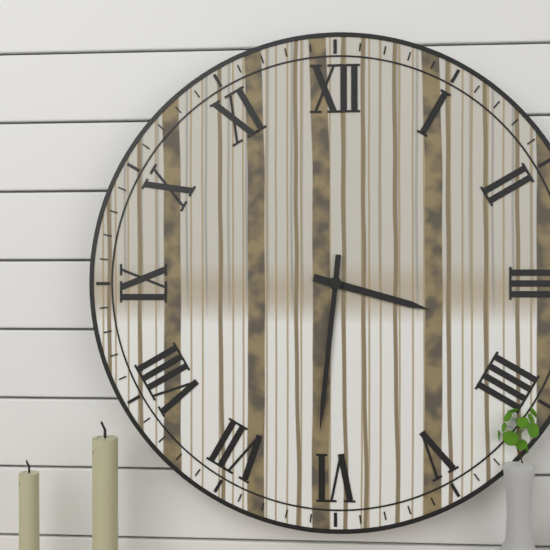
3:31
